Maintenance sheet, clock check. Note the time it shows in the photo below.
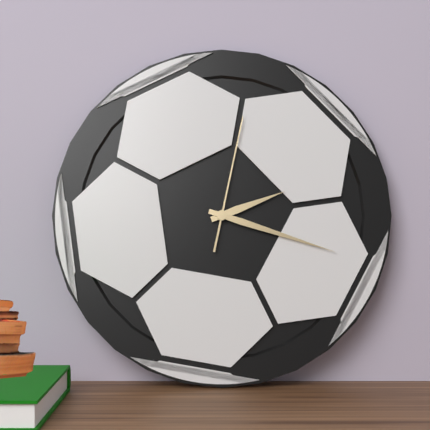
2:18:02
